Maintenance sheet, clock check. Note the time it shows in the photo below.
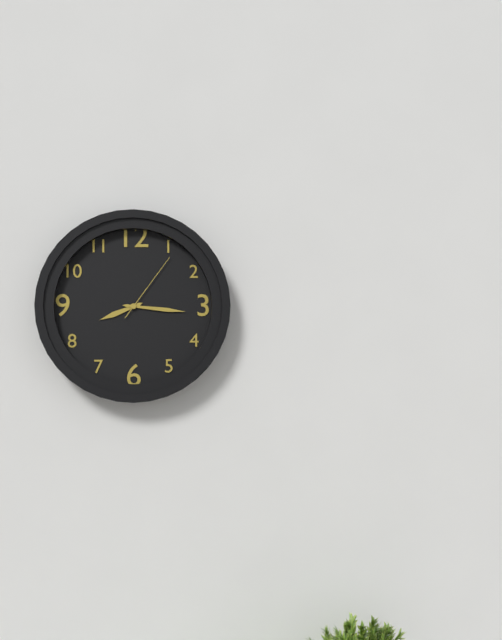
8:16:06
